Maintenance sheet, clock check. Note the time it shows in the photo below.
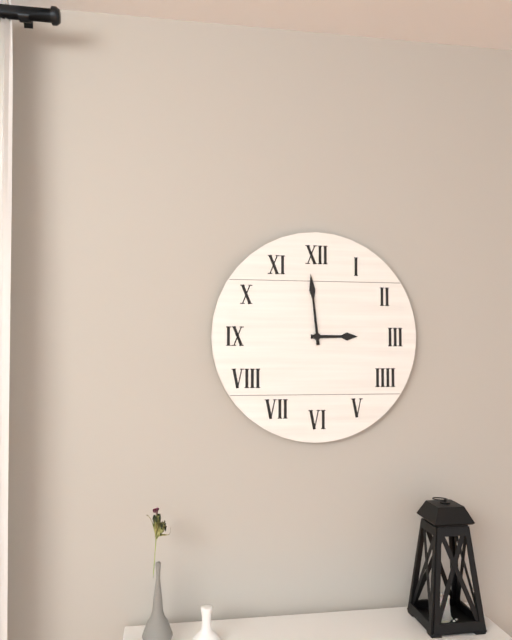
2:59
